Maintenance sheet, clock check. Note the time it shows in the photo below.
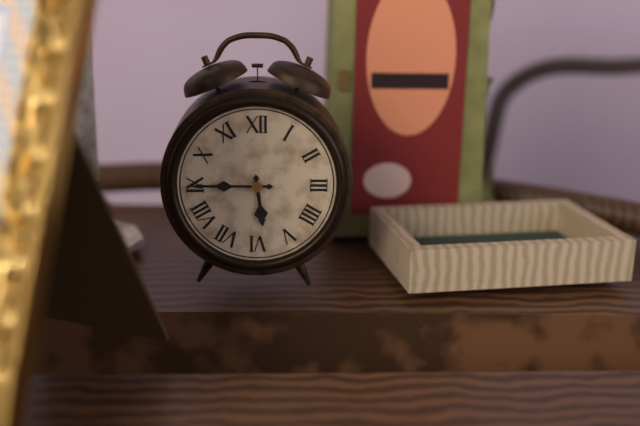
5:45
